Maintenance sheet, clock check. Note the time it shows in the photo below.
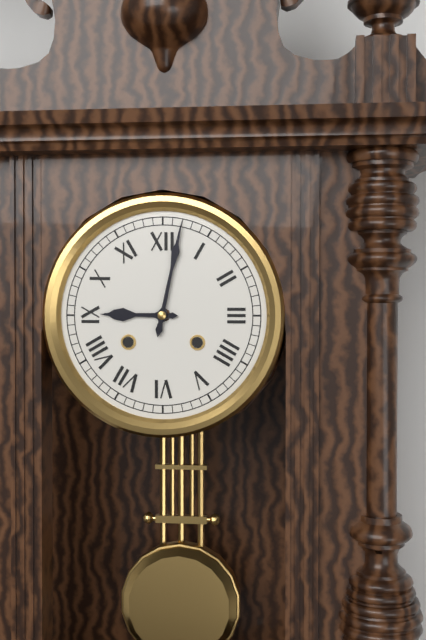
9:02
